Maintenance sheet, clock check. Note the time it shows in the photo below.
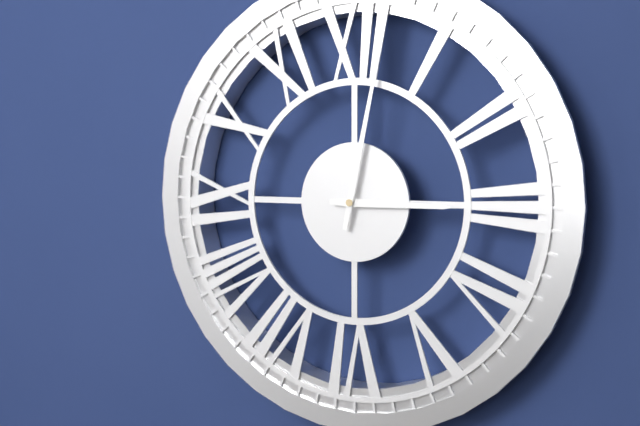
3:02
